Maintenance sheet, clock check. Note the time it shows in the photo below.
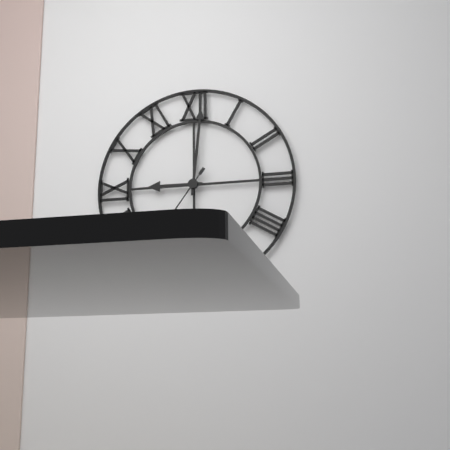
9:01
